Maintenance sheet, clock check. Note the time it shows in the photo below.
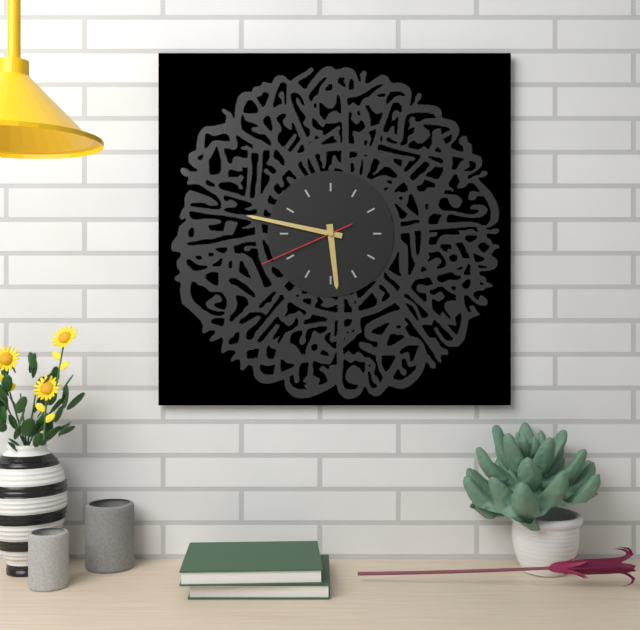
5:47:41
